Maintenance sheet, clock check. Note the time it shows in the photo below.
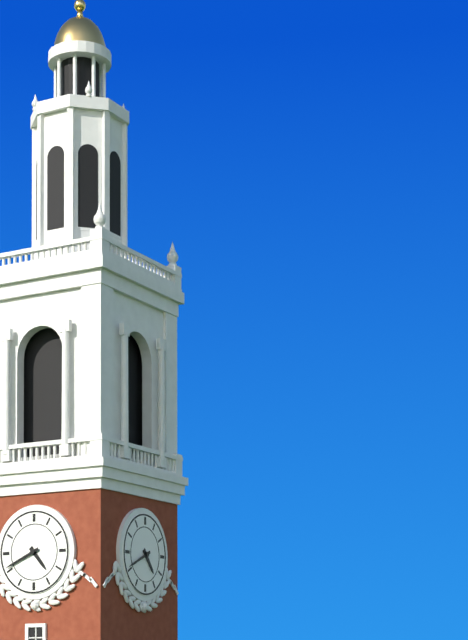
4:41
